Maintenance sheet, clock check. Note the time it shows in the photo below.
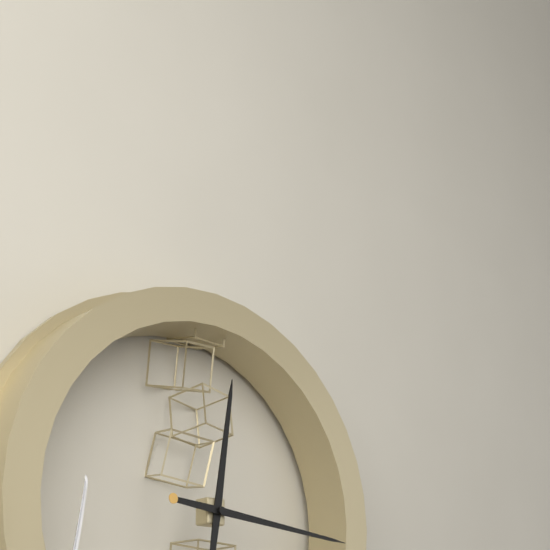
12:16
